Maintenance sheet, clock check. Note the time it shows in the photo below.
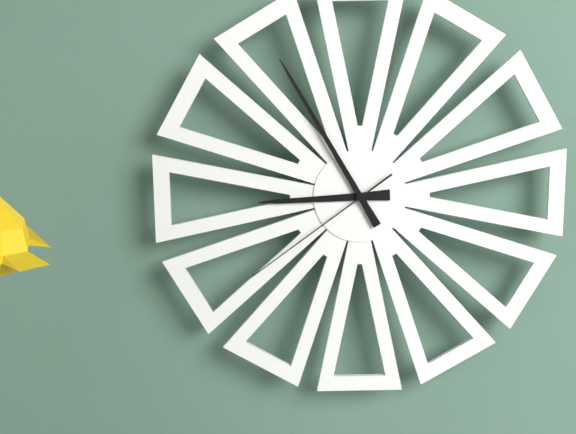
8:55:39
